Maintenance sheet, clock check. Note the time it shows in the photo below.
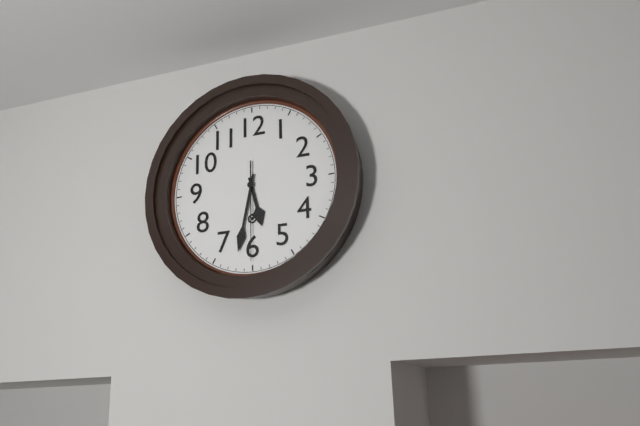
5:32:30
